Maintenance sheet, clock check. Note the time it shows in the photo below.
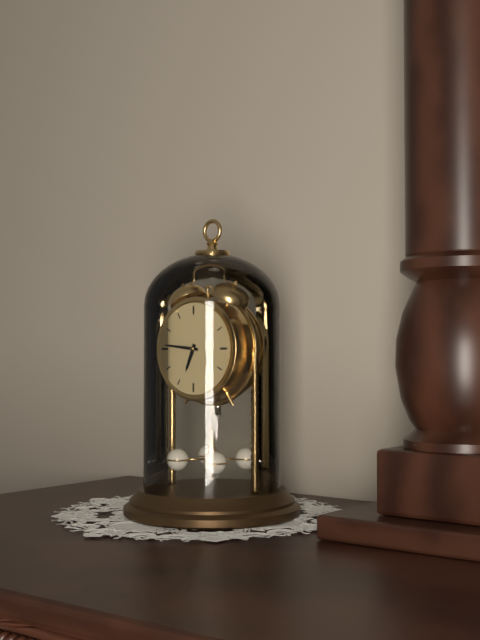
6:46
